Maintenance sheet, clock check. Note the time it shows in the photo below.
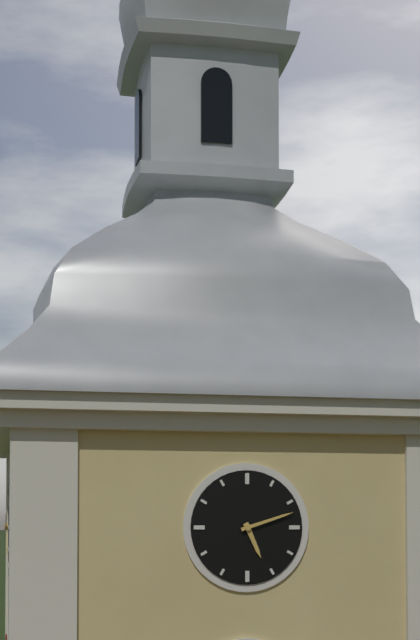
5:12
